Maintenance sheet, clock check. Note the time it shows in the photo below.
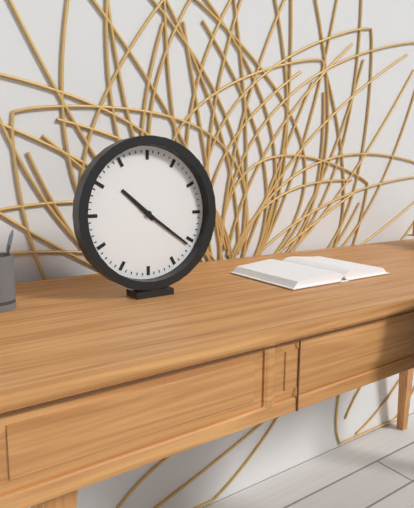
10:21
